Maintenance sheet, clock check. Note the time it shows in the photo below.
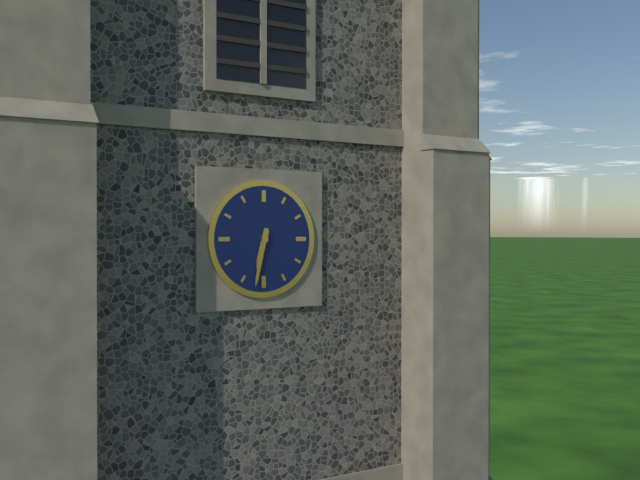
6:32
